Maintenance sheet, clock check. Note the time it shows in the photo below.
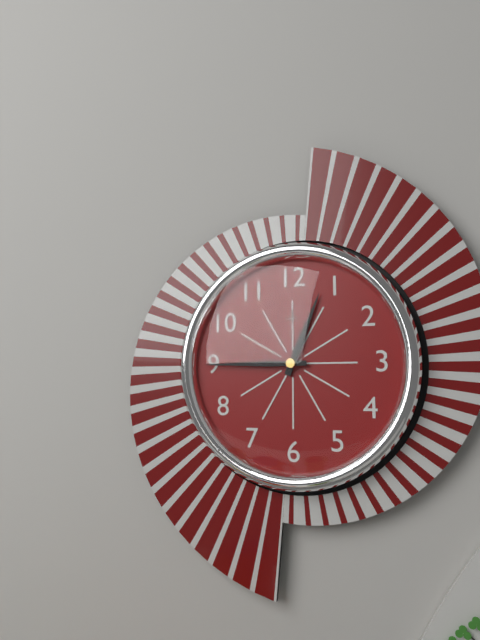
12:45
